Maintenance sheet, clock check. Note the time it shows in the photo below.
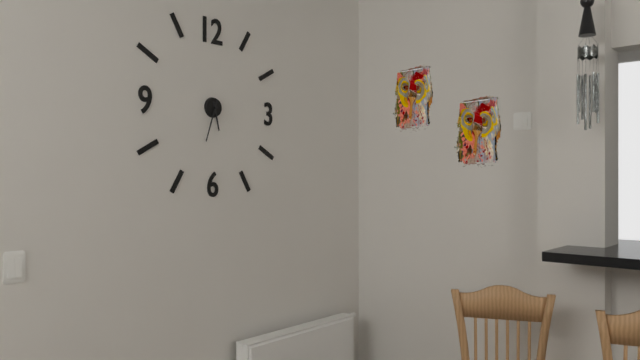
5:33
